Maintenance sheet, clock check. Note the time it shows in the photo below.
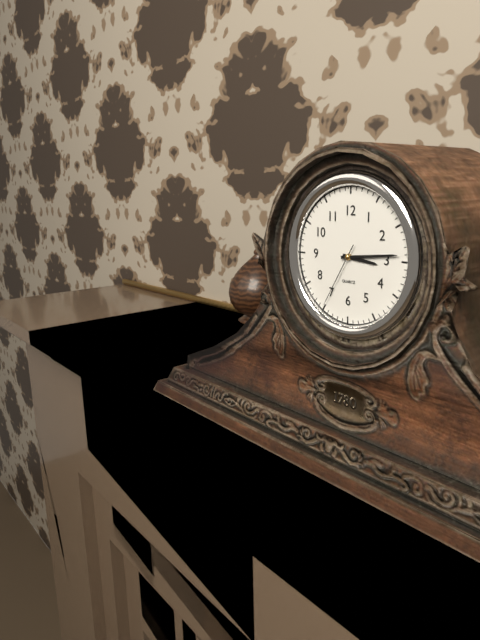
3:14:35
